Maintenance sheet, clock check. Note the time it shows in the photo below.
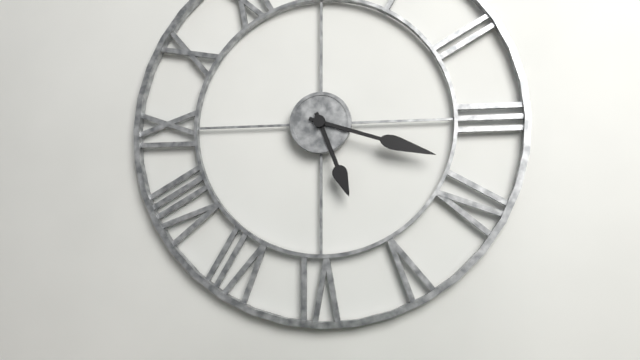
5:18
